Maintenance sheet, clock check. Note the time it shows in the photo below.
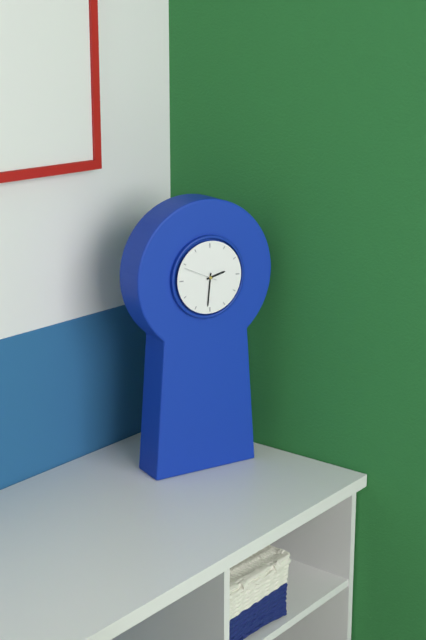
2:31
